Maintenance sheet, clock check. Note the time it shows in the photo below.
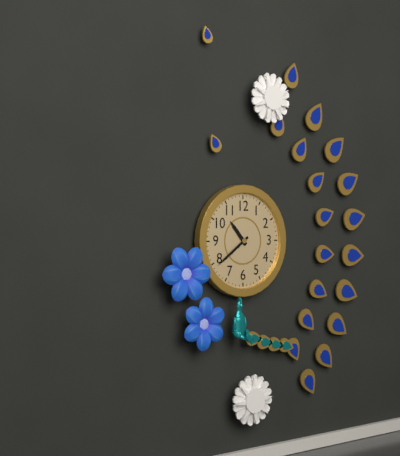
10:39
